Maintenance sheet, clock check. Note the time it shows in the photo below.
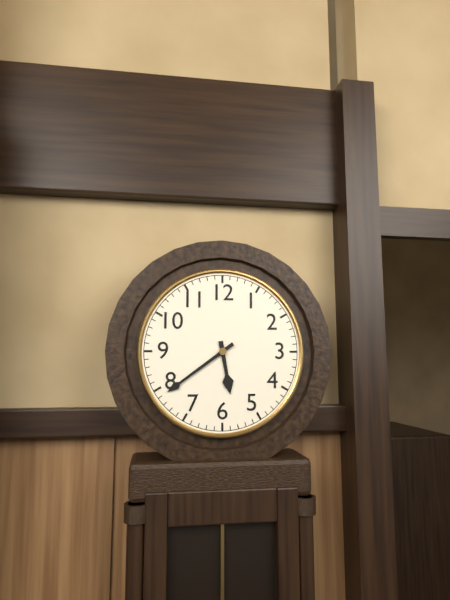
5:39
